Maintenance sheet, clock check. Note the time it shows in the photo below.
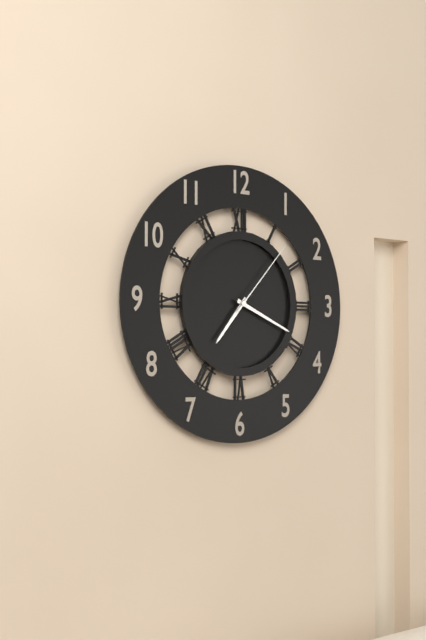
7:19:07
